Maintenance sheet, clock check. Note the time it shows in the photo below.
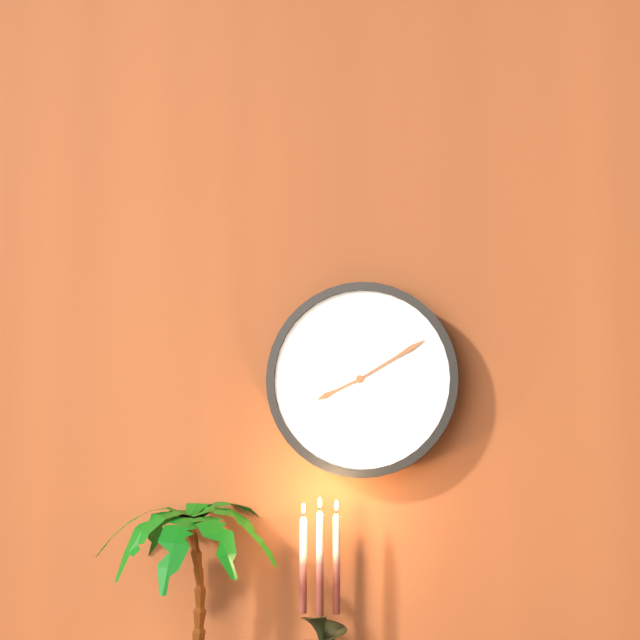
8:10
